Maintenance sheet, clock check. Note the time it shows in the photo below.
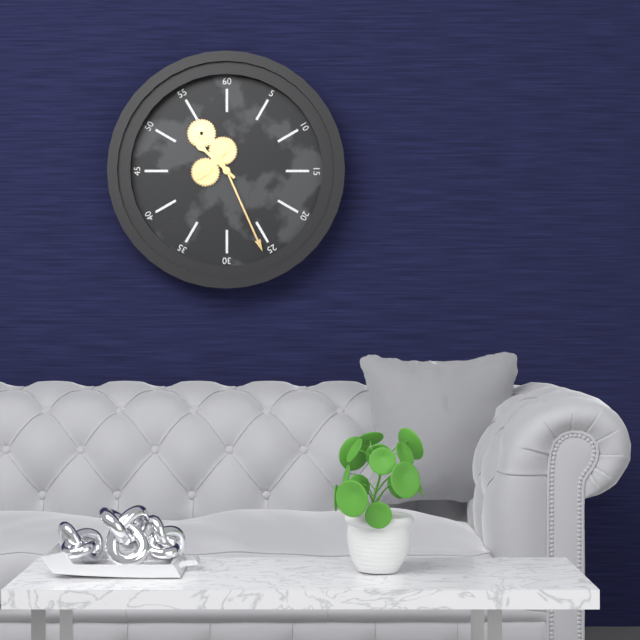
10:26
